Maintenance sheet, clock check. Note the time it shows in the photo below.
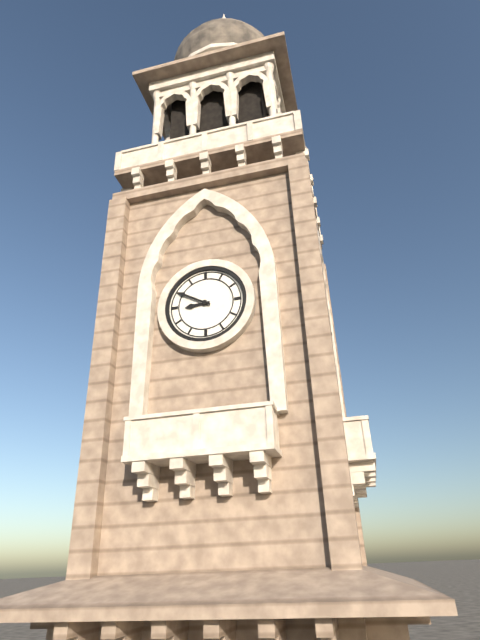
8:50
